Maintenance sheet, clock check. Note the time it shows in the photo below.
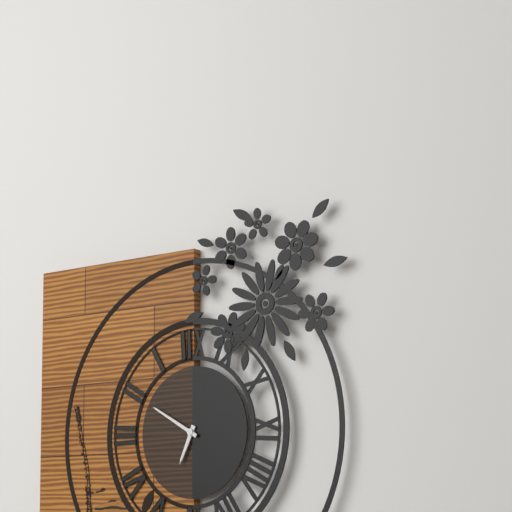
6:50
